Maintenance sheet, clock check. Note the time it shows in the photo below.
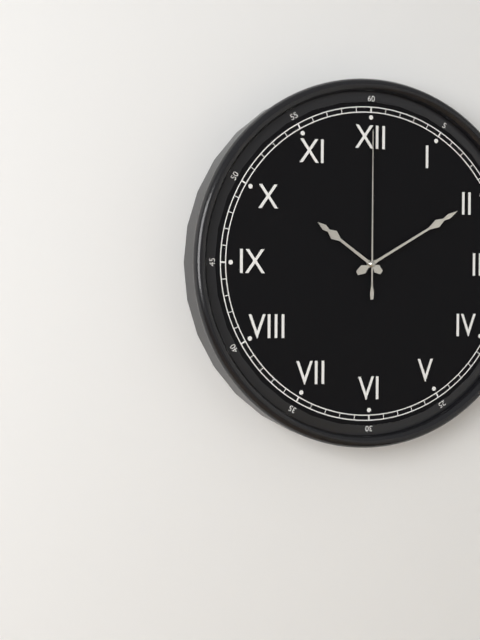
10:10:00
